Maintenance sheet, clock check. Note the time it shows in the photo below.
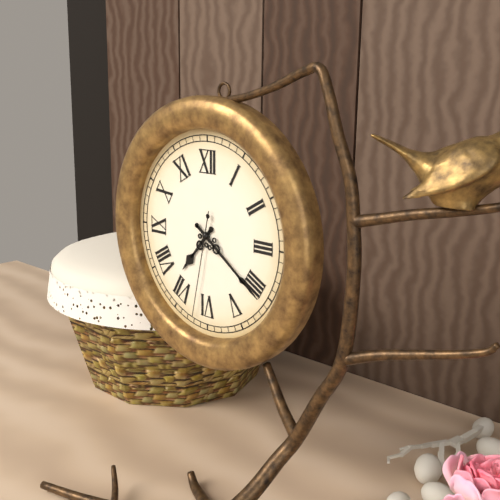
7:21:32
